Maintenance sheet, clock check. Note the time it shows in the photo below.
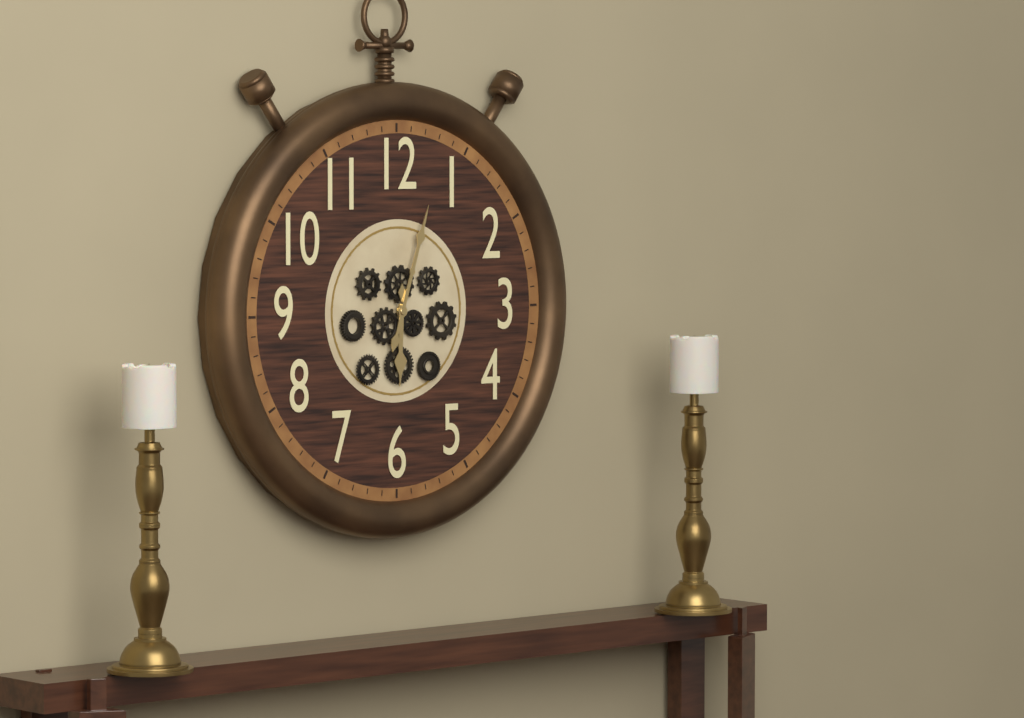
6:03
